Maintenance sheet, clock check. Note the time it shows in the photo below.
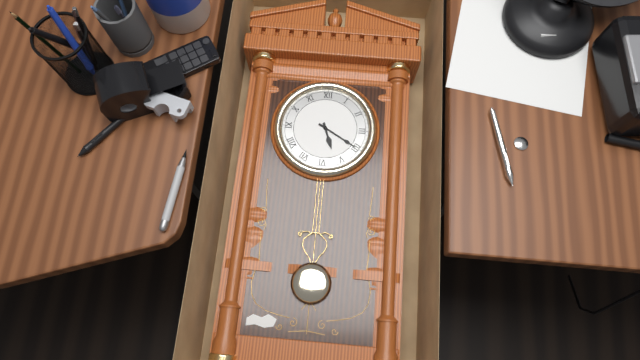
5:20
